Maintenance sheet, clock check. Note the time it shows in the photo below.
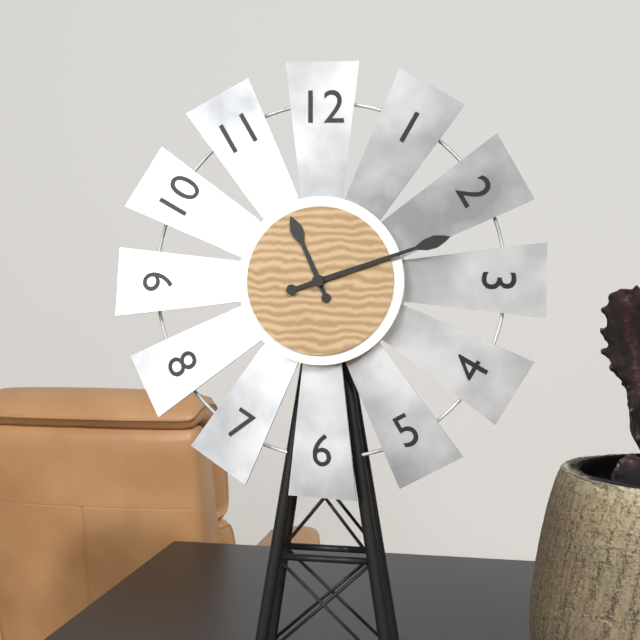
11:12
